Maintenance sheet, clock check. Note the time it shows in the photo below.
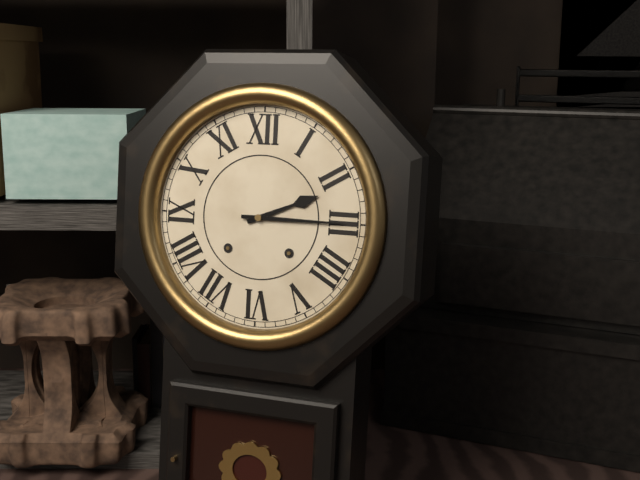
2:15
